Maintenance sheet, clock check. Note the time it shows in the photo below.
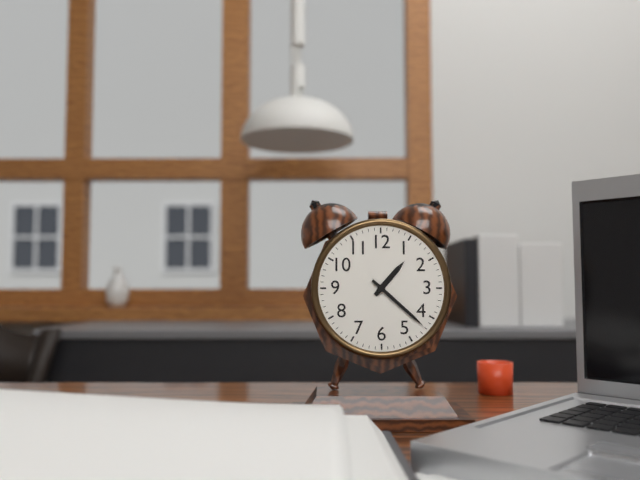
1:22
